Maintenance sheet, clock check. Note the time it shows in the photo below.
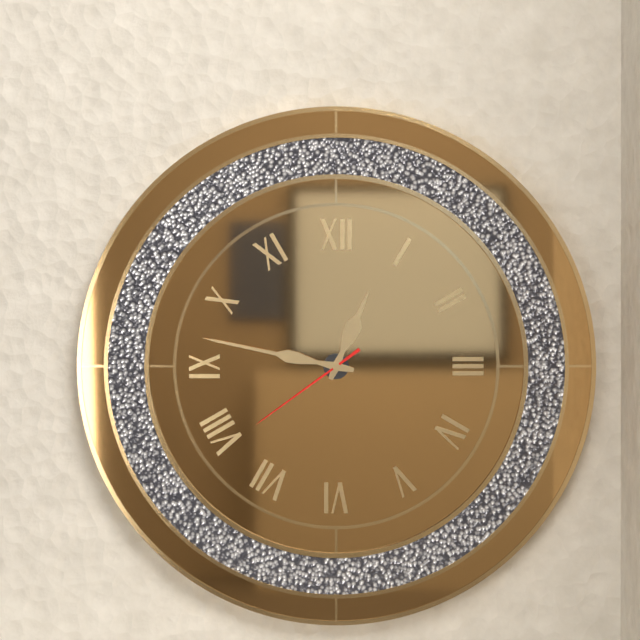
12:47:39
